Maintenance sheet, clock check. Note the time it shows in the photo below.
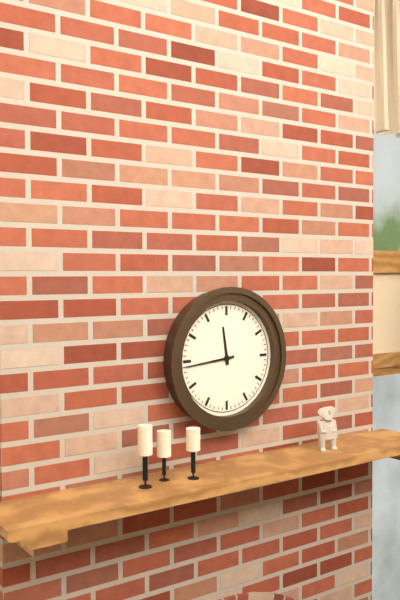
11:44
